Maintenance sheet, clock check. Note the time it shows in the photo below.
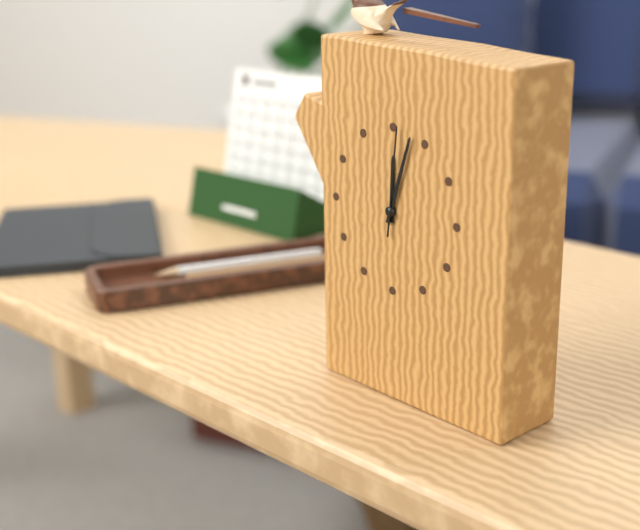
12:03:01
